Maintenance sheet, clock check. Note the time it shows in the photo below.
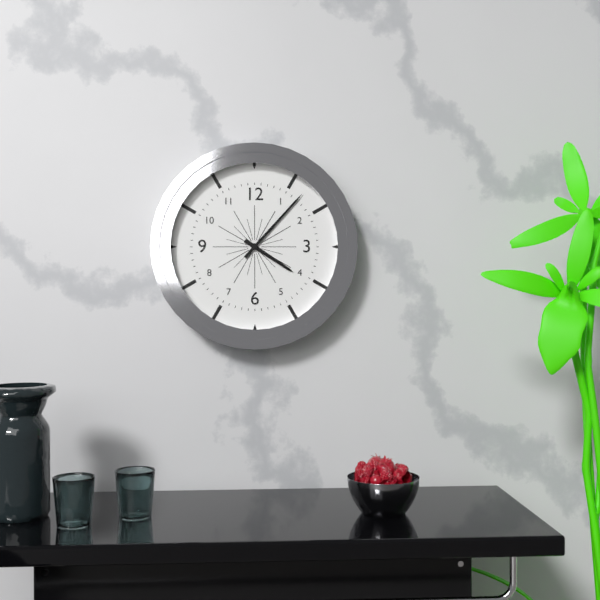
4:07
